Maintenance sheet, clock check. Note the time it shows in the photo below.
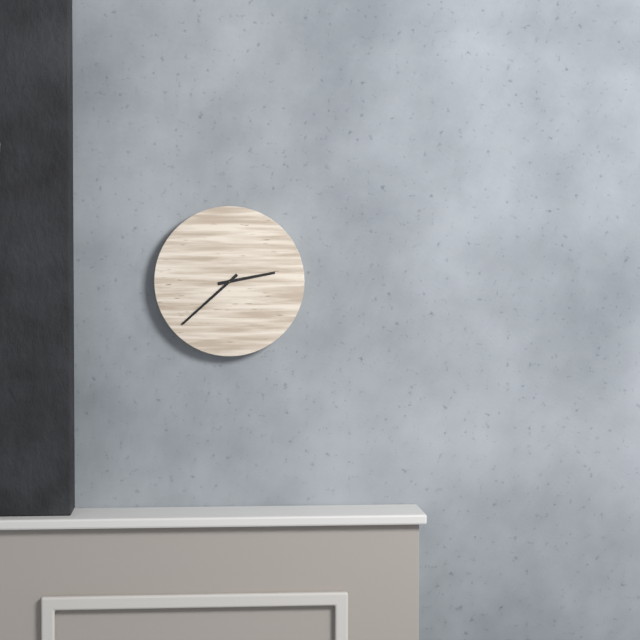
2:38
